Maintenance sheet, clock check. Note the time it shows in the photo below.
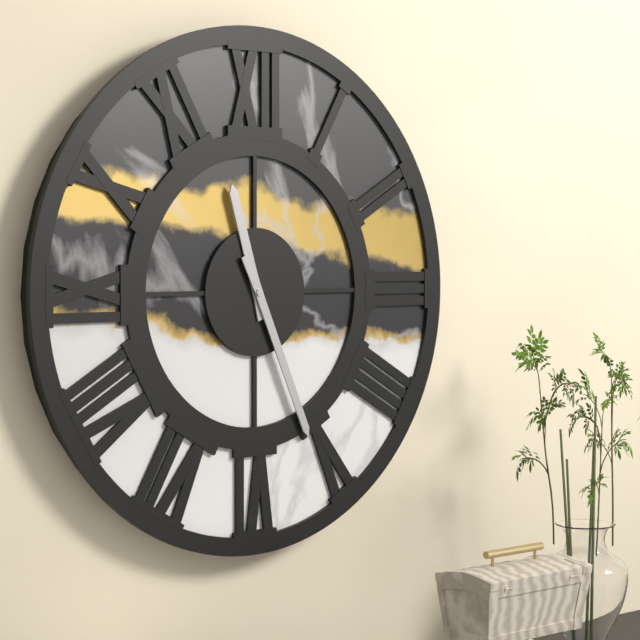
11:26
